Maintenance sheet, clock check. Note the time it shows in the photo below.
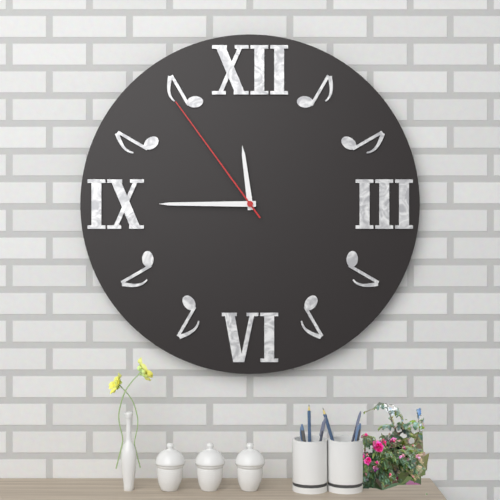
11:45:54
